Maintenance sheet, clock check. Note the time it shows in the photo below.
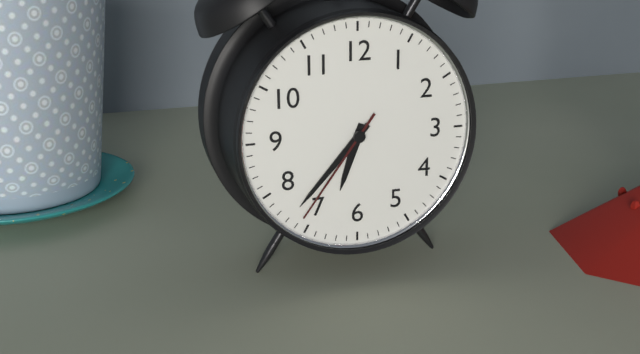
6:37:36
